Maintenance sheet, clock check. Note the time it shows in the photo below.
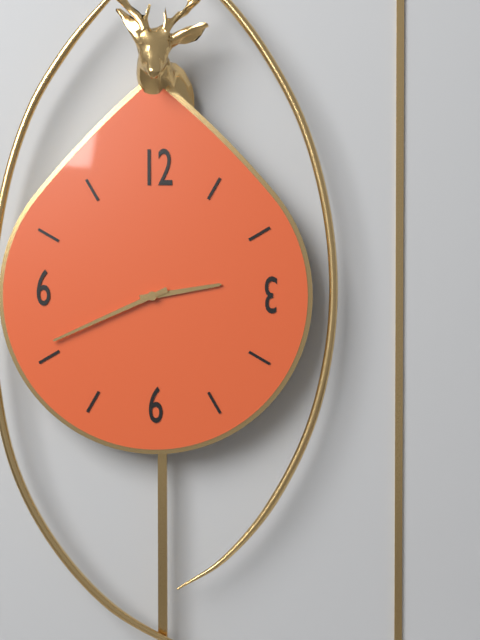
2:41
